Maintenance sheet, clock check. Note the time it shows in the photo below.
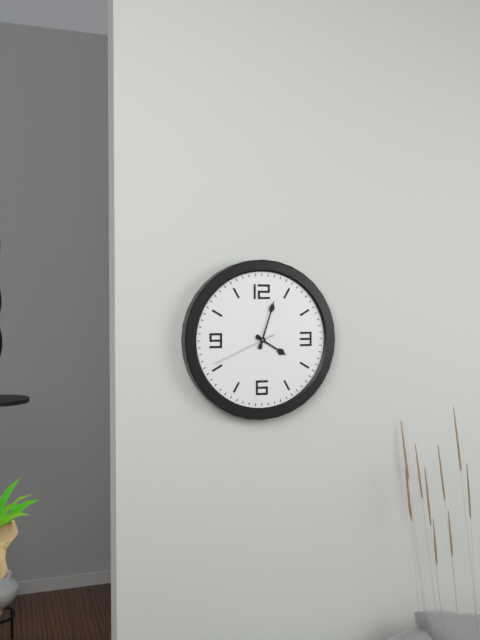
4:03:41
